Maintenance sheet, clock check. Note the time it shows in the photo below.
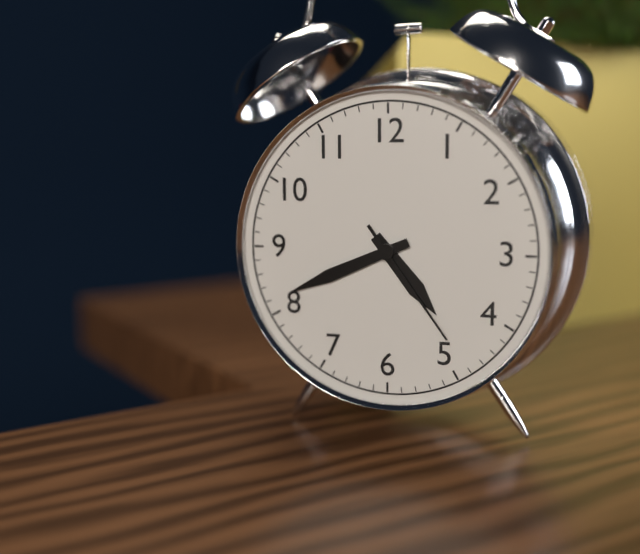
4:41:24
